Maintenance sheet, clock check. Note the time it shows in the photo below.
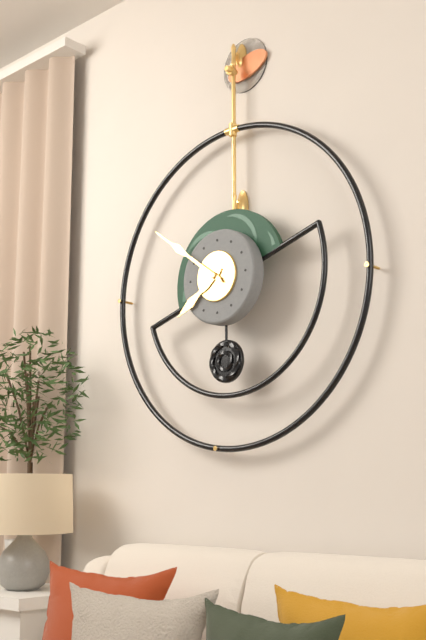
7:51
